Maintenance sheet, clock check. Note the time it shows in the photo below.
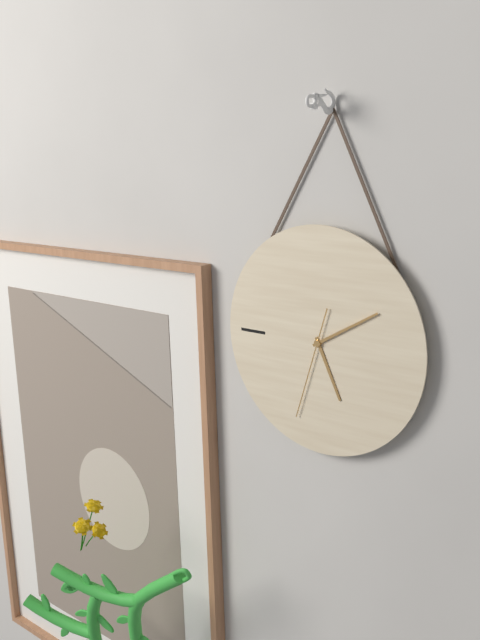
5:10:33
